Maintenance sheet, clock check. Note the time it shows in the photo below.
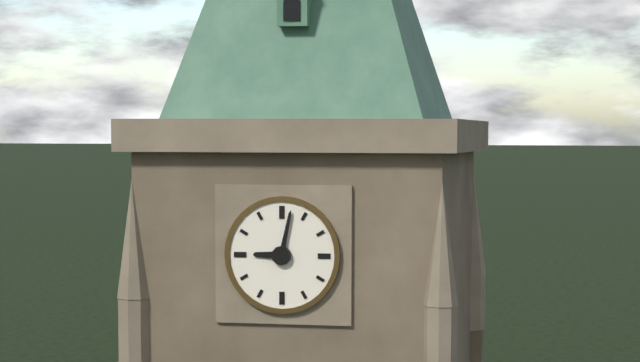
9:02
